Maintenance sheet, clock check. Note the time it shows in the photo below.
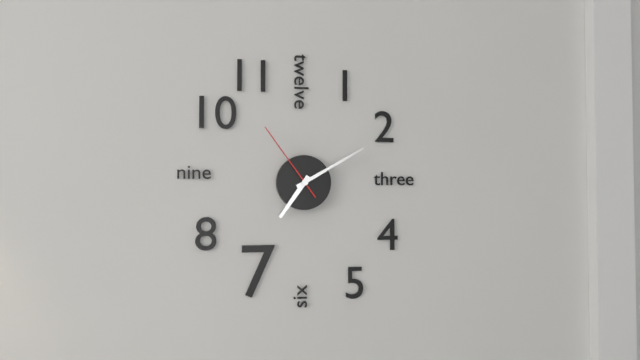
7:10:54
